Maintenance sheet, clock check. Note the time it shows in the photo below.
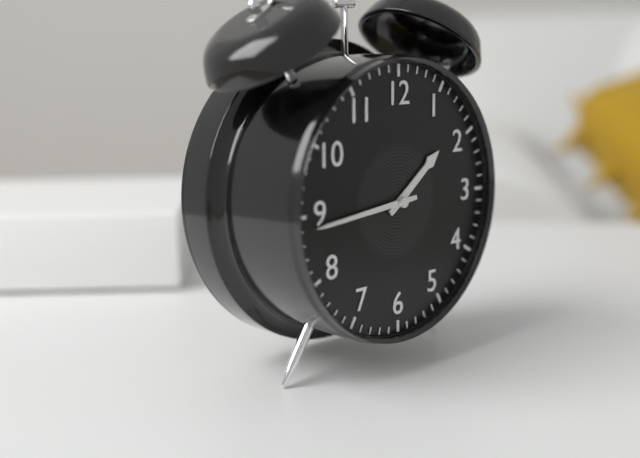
1:44
